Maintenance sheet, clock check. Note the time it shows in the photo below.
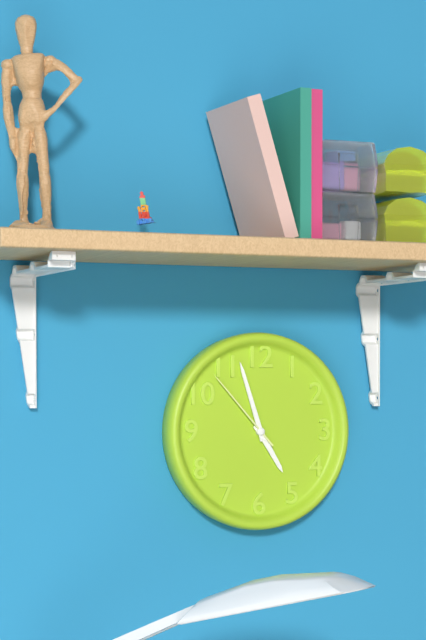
4:57:53
